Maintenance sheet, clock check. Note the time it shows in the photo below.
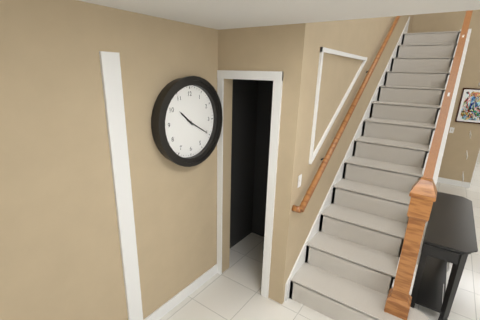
10:20
